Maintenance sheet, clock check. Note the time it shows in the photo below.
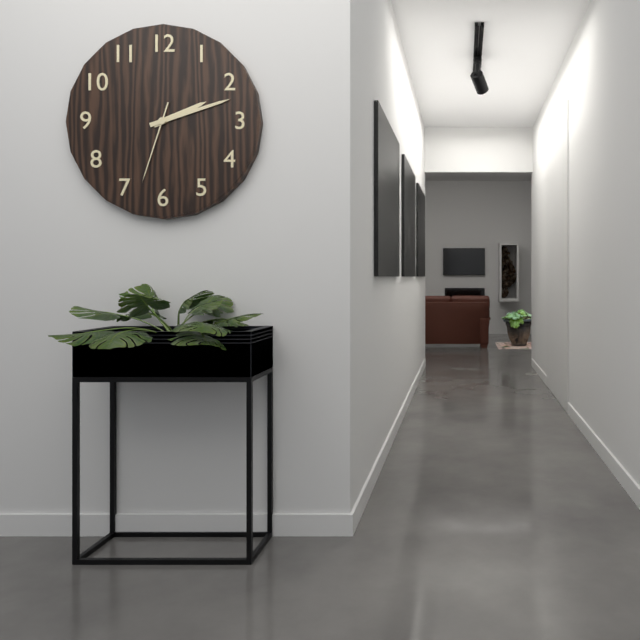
2:12:33
